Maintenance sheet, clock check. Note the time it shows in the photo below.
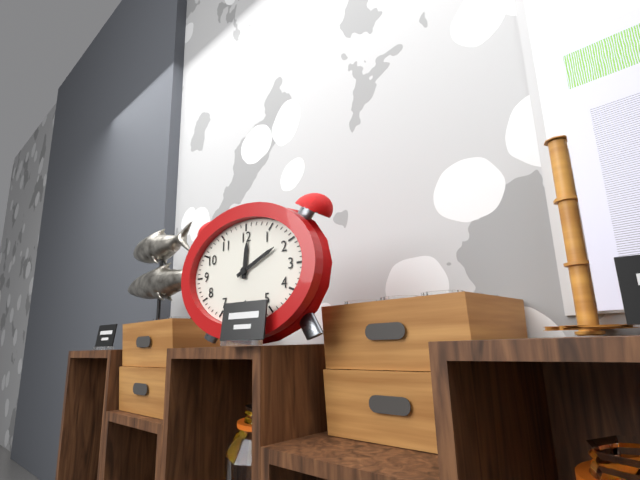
12:11
